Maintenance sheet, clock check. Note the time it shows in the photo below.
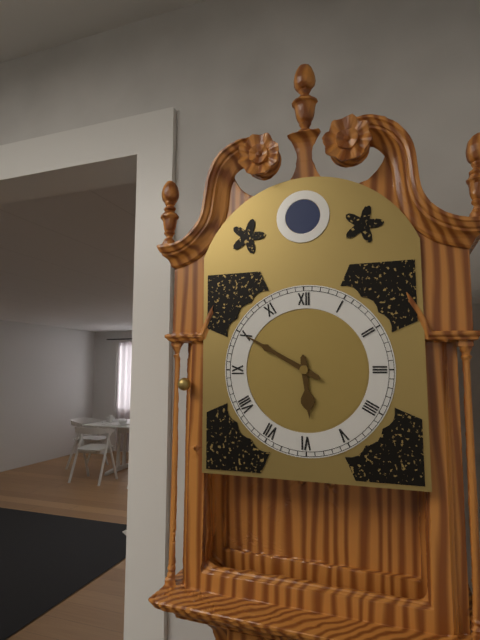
5:50
